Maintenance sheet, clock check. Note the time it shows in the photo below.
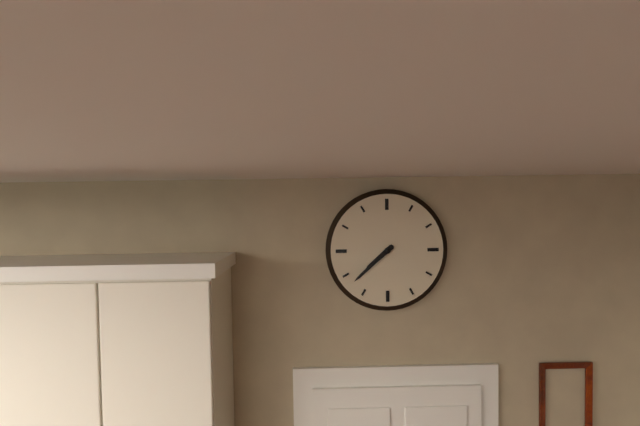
7:38
